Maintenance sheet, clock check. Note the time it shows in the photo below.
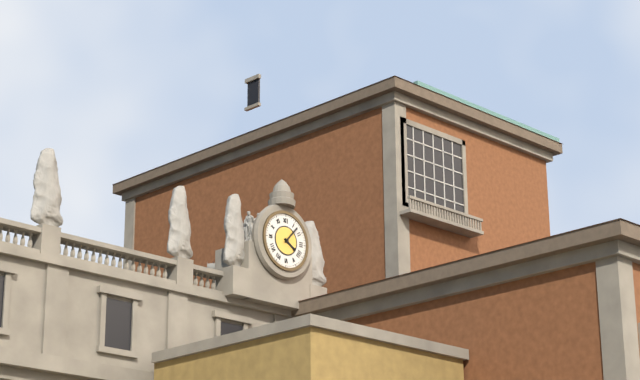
4:07
